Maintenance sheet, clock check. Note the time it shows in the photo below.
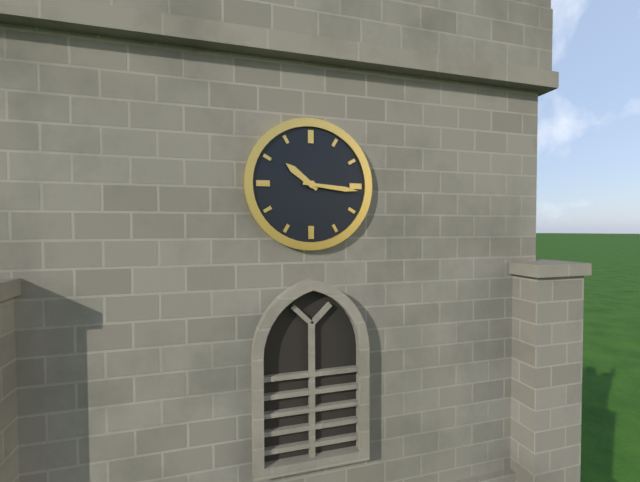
10:16
